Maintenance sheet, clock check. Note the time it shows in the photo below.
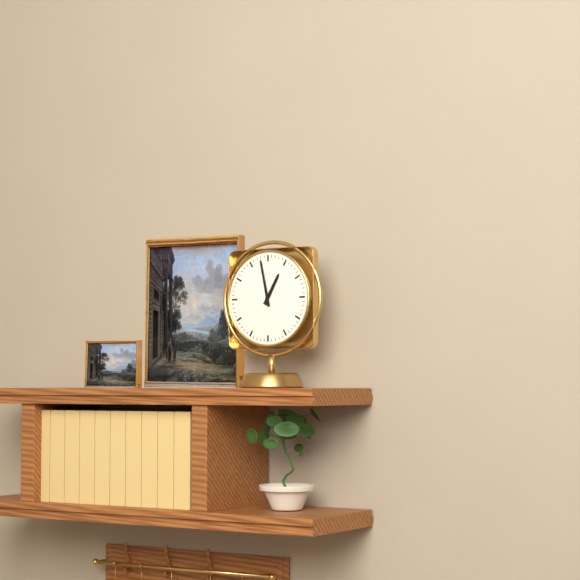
12:58
